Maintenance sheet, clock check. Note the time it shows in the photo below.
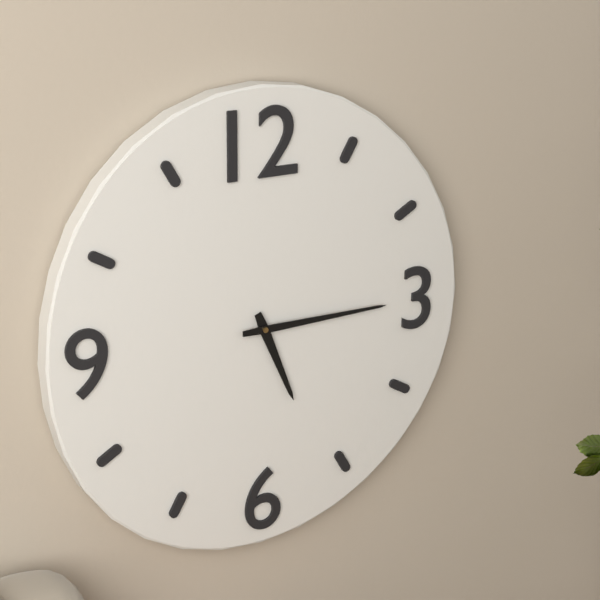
5:15
